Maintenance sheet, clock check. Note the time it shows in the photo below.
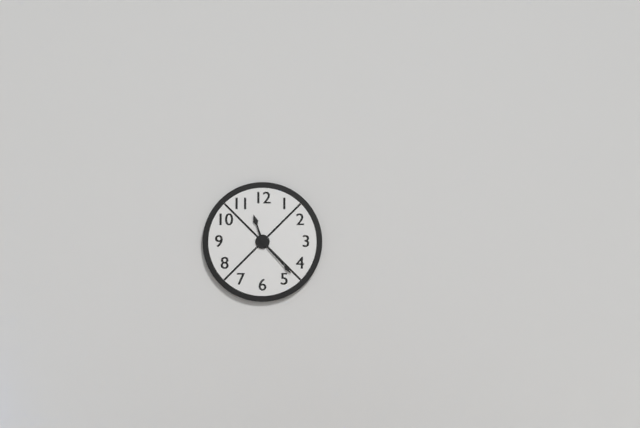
11:23
